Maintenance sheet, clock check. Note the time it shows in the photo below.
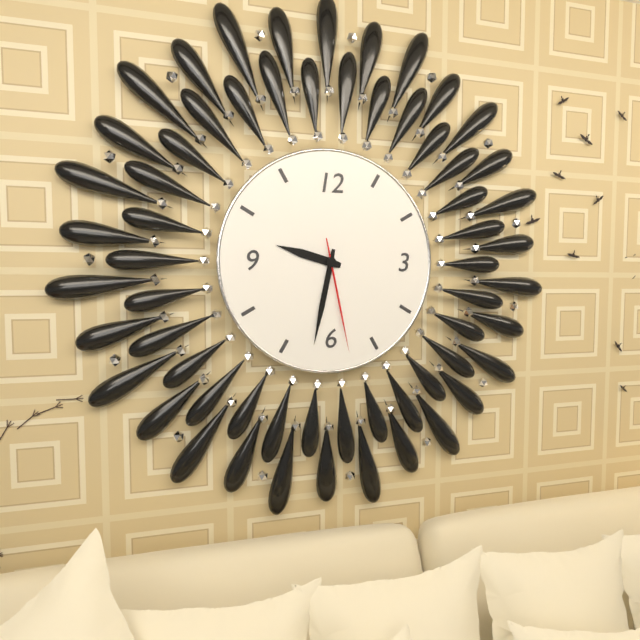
9:32:28
